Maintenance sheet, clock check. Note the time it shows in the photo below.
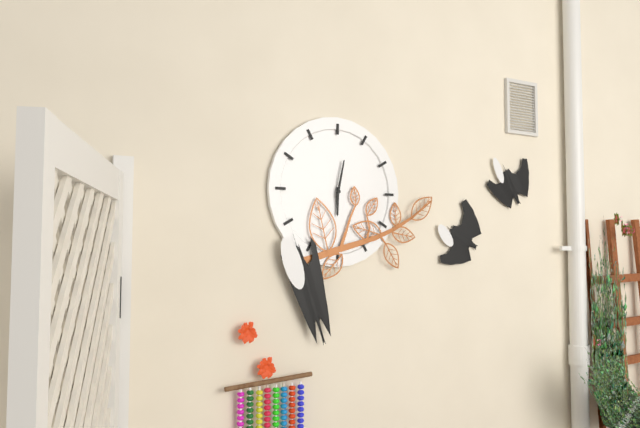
6:02
